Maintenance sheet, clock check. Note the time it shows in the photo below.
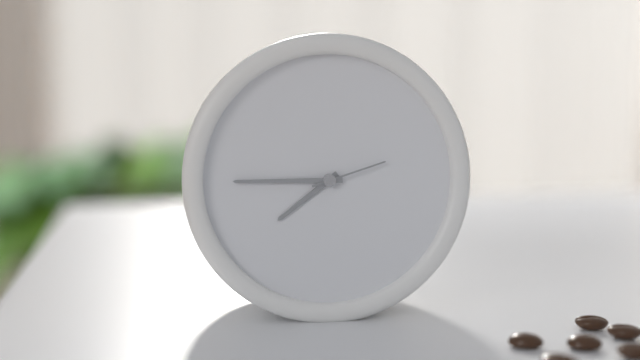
7:45:12
